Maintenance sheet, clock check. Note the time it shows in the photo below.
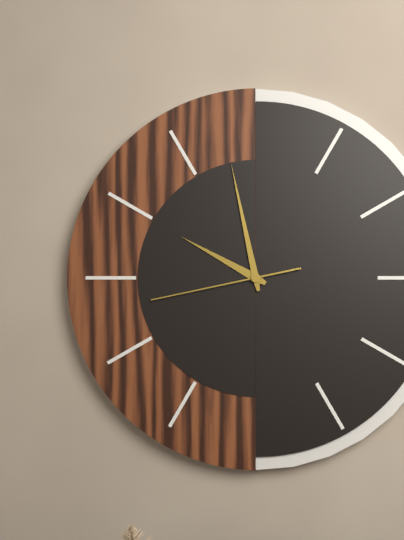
9:58:43
